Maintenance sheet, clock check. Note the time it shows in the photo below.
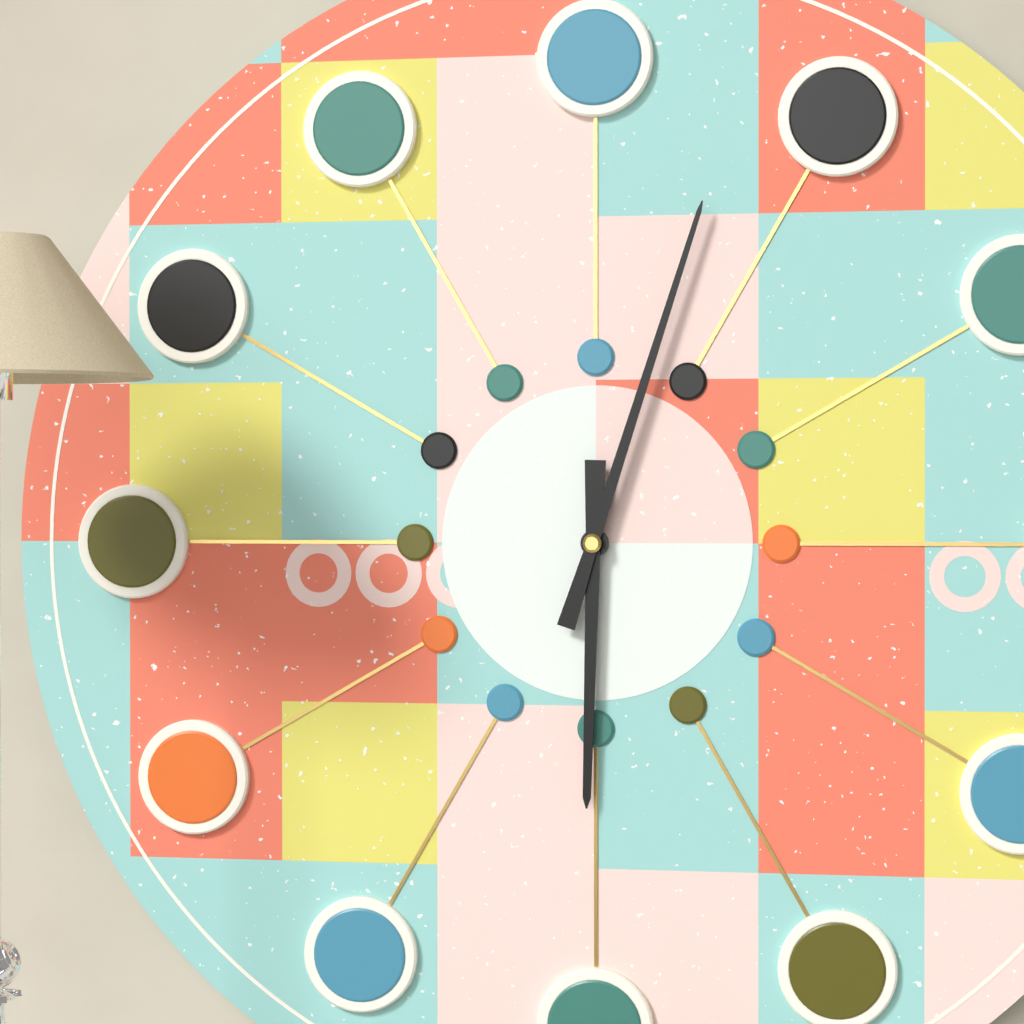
6:03
